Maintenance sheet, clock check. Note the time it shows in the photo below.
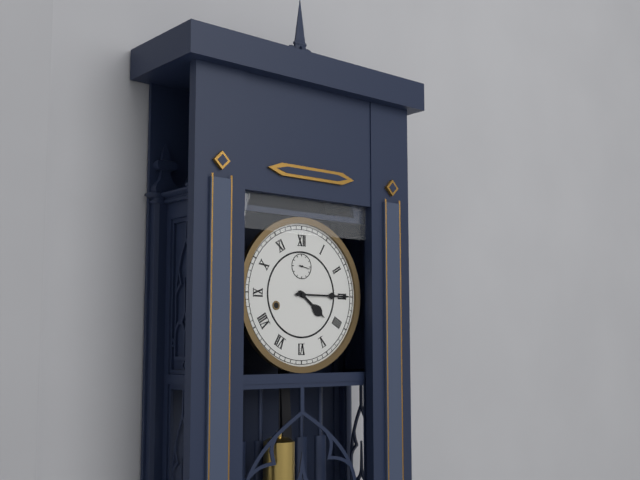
4:15
